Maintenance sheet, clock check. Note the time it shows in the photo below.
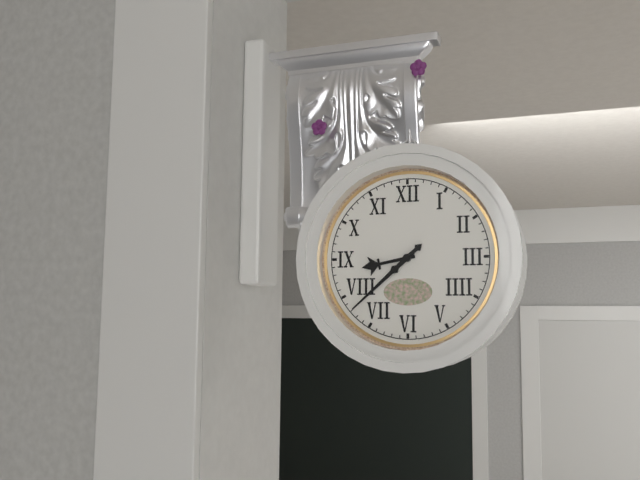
8:38
